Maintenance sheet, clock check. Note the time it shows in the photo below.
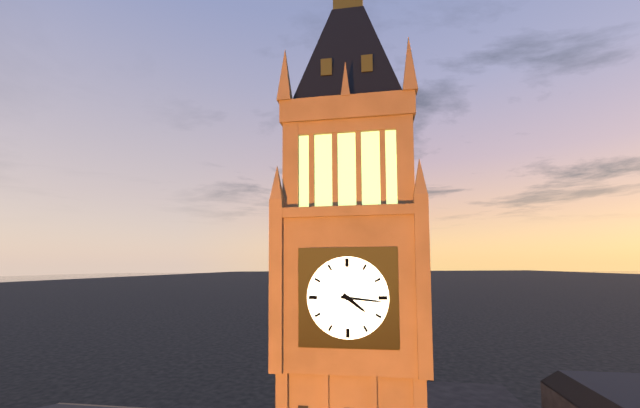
4:16
